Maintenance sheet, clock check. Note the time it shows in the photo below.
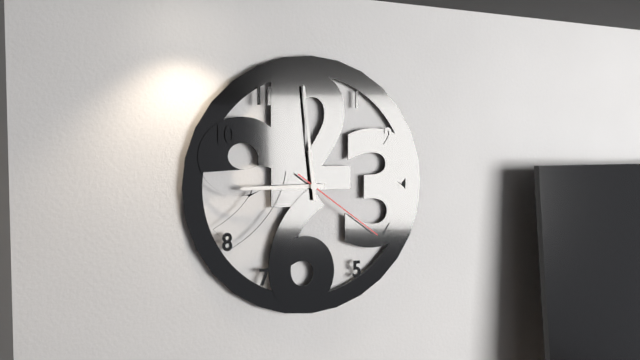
8:59:21
